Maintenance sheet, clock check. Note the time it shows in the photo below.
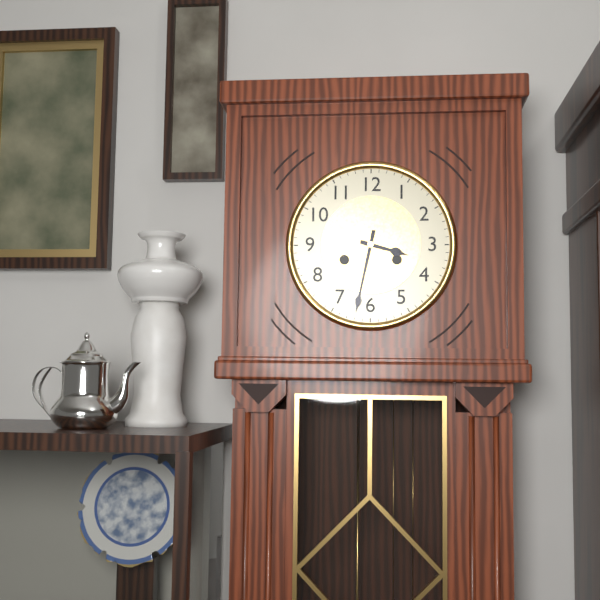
3:32
